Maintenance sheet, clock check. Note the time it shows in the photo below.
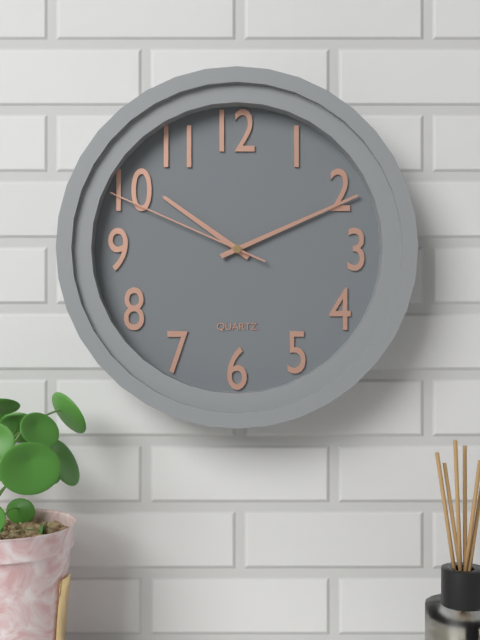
10:11:49
